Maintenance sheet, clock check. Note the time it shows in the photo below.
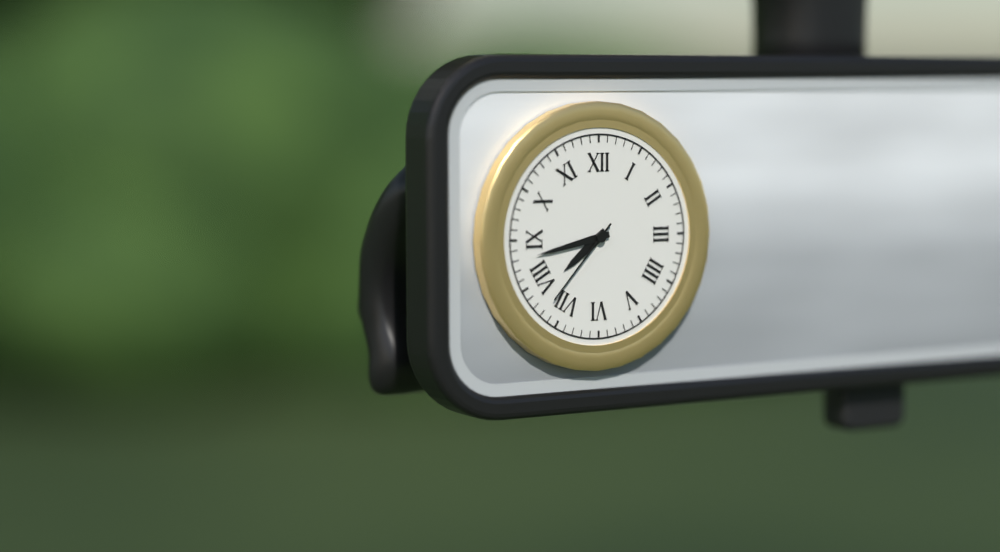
7:43:37
